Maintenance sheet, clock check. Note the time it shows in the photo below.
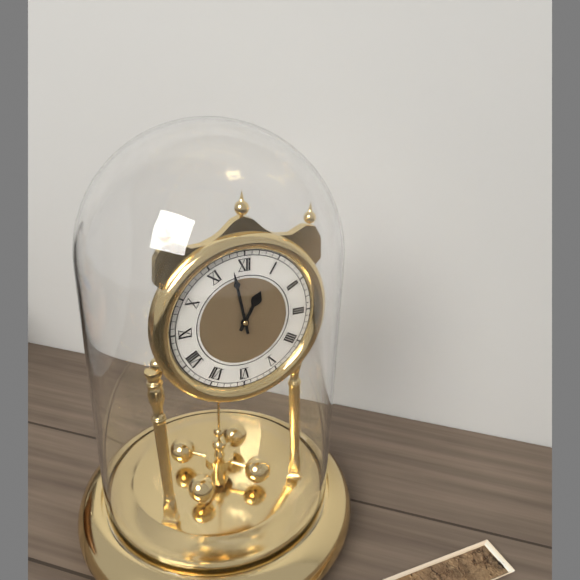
12:58
